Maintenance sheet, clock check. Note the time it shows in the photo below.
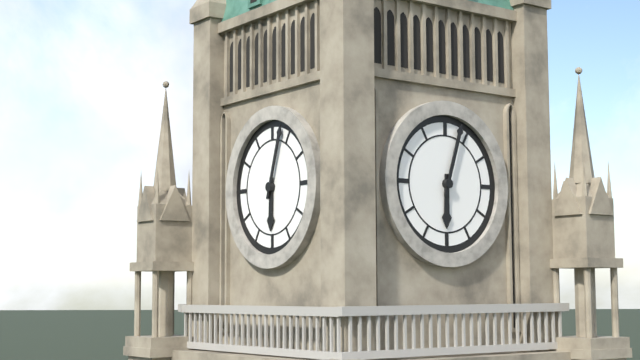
6:03
